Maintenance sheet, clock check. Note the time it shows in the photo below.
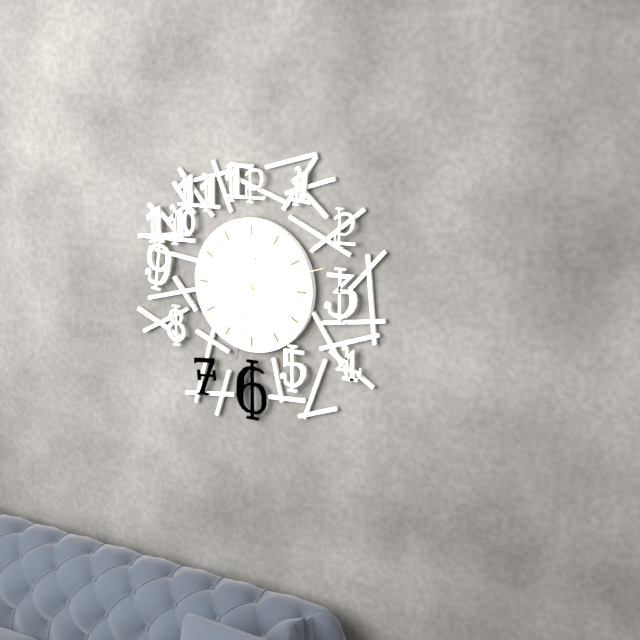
10:12:32
